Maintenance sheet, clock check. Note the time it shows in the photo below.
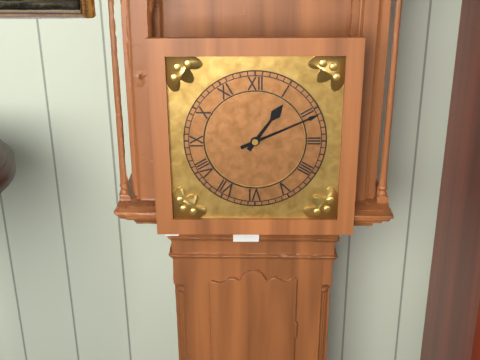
1:11
